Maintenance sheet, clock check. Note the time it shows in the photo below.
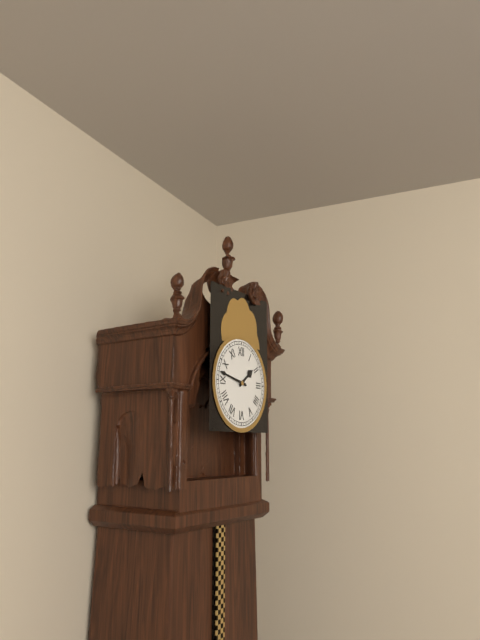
1:47
